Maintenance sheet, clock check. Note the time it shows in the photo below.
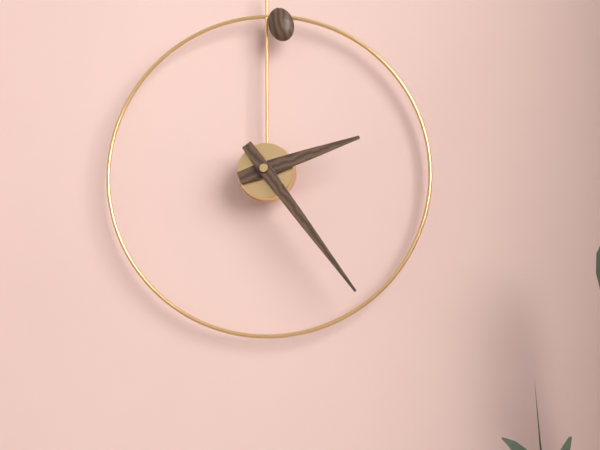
2:24
